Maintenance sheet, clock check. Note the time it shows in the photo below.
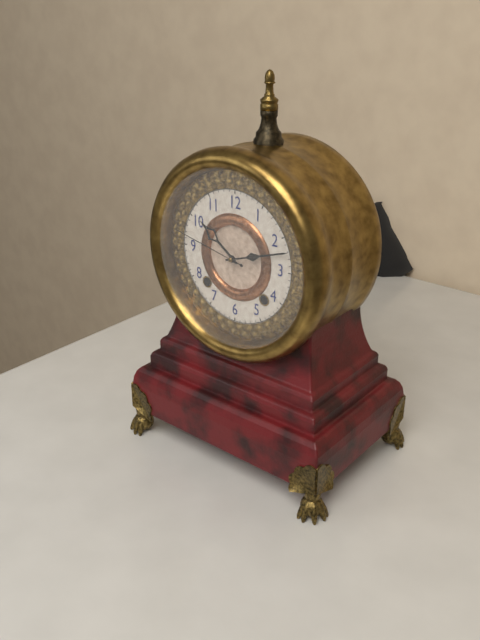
10:12:47
